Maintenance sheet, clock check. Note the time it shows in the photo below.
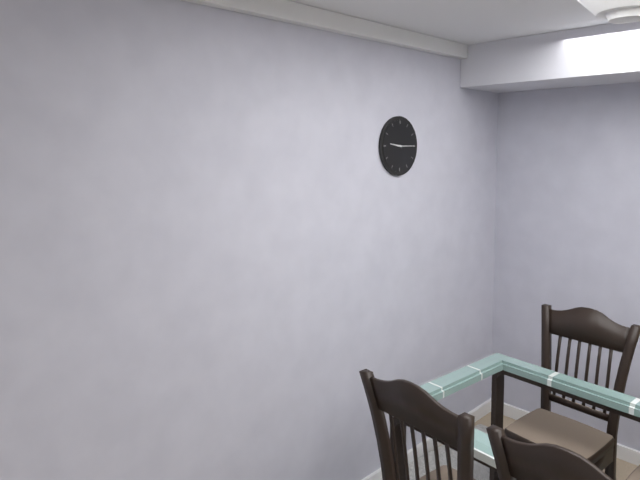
9:15
